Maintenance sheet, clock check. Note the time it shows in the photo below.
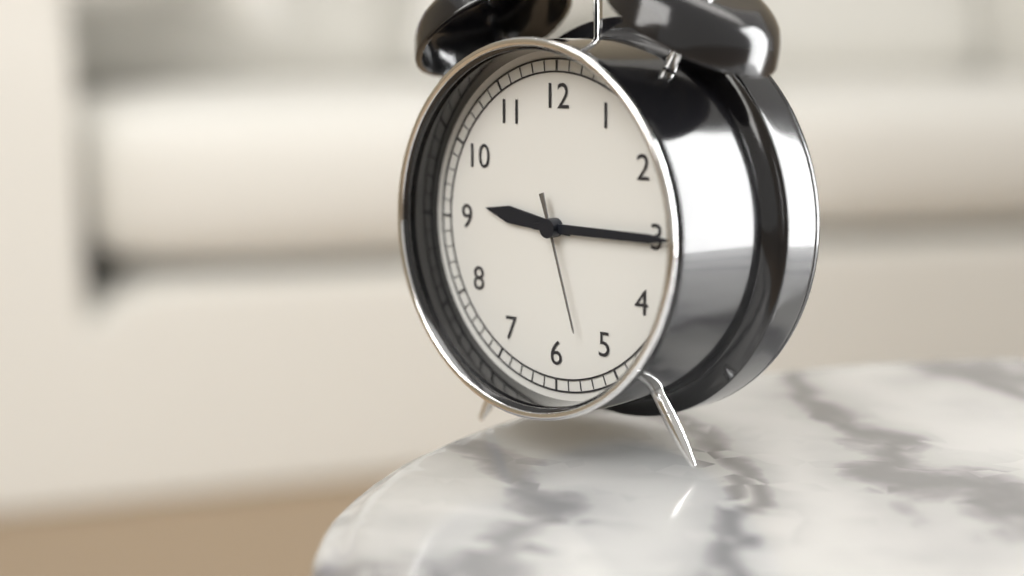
9:15:27
